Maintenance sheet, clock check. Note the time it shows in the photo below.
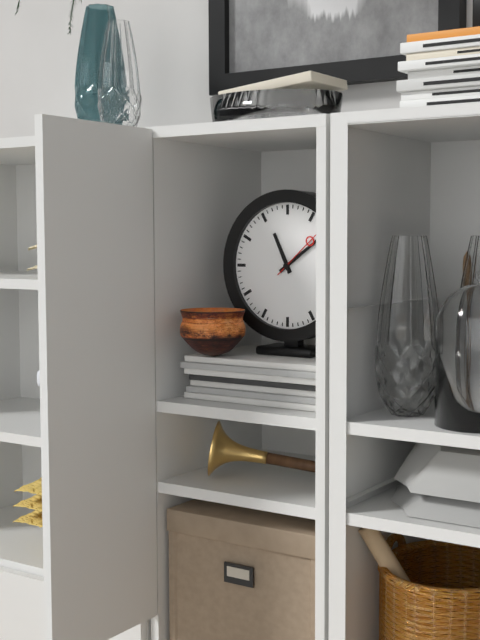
11:09:08
